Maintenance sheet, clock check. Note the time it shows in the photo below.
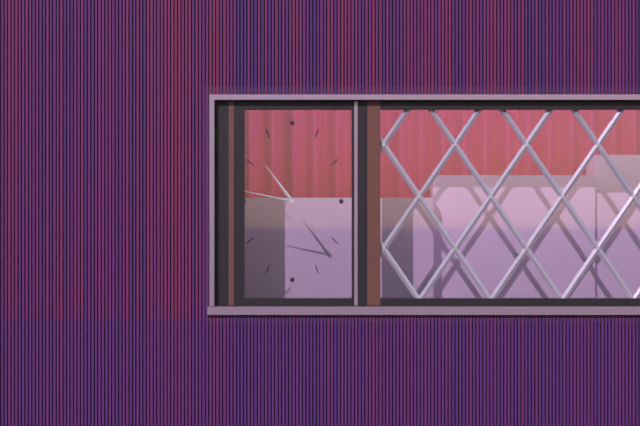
10:47
